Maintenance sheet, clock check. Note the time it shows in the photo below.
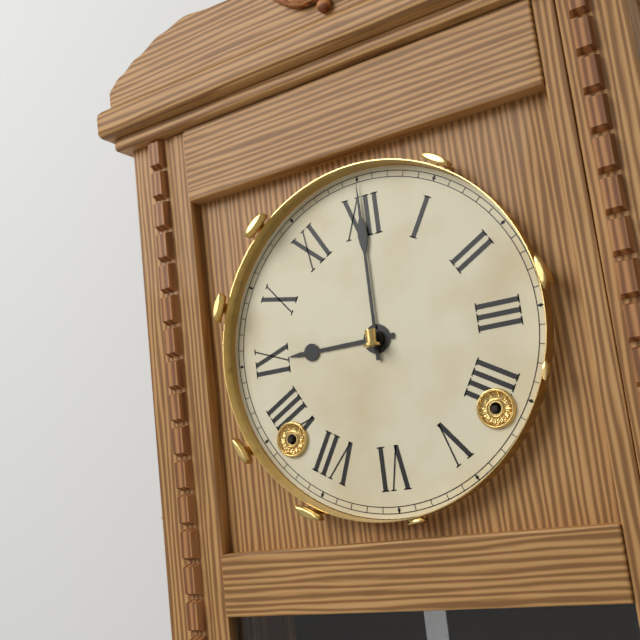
9:00
